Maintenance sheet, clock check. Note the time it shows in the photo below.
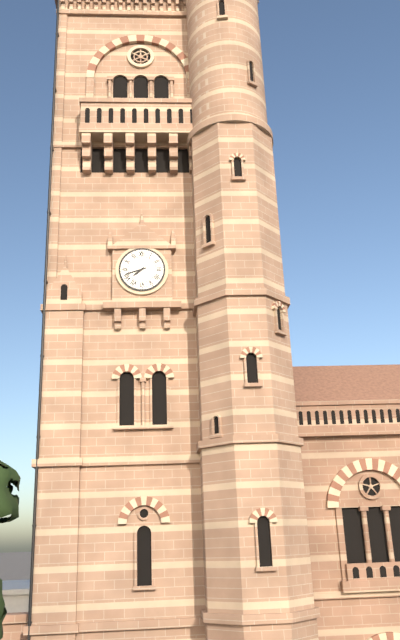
7:42
